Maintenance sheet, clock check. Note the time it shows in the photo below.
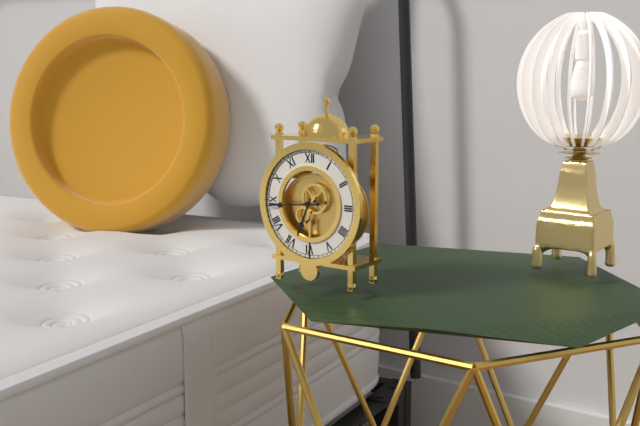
6:44
